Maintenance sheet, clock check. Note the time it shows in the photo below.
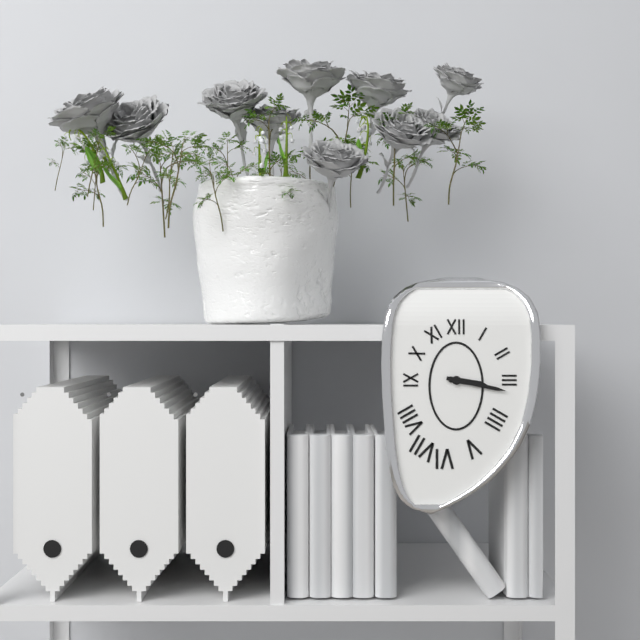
3:17
